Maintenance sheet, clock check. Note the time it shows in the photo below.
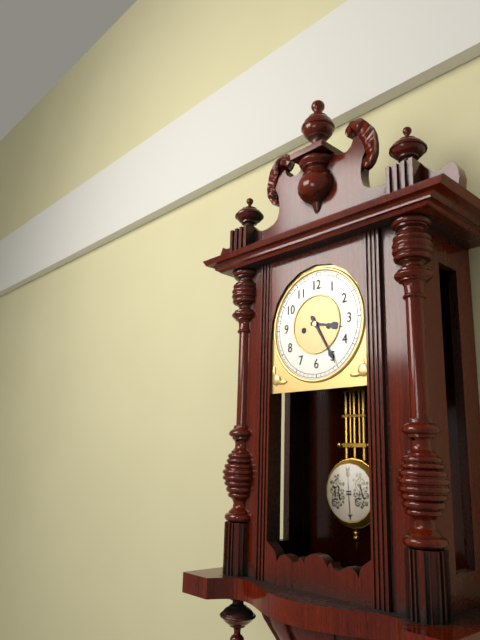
3:25
